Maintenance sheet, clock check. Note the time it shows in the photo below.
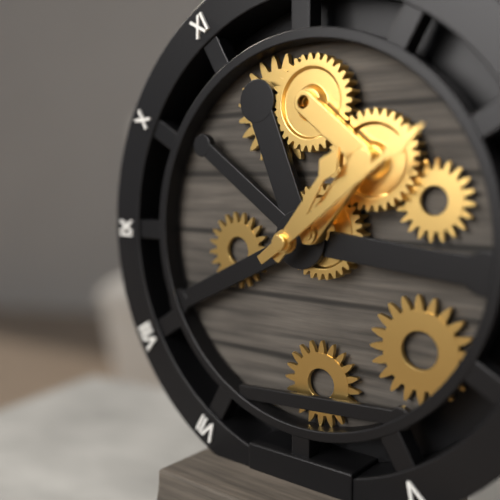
1:09
